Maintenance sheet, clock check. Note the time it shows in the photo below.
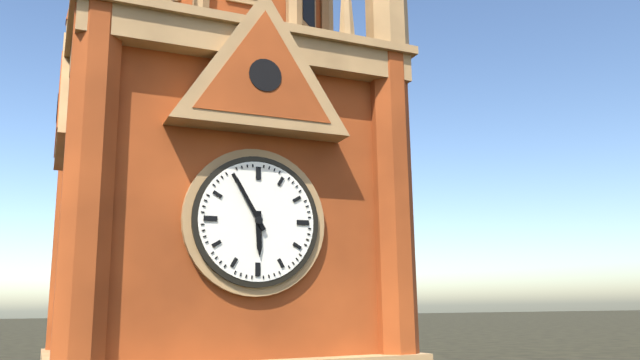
5:55
